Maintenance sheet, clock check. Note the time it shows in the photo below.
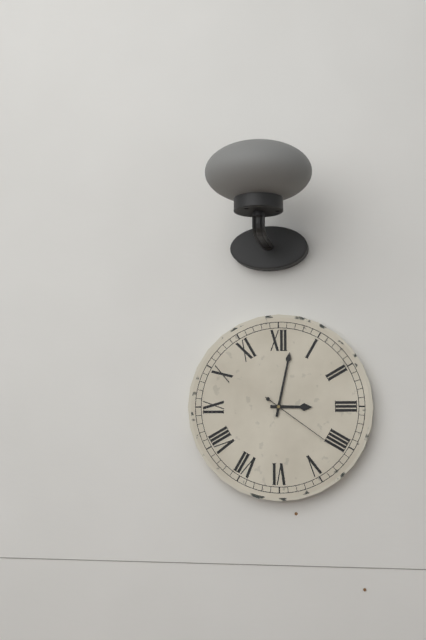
3:02:21
